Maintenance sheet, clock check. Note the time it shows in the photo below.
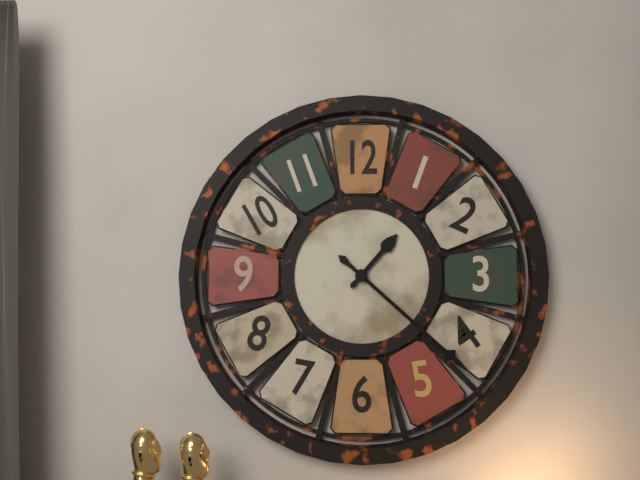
1:22
